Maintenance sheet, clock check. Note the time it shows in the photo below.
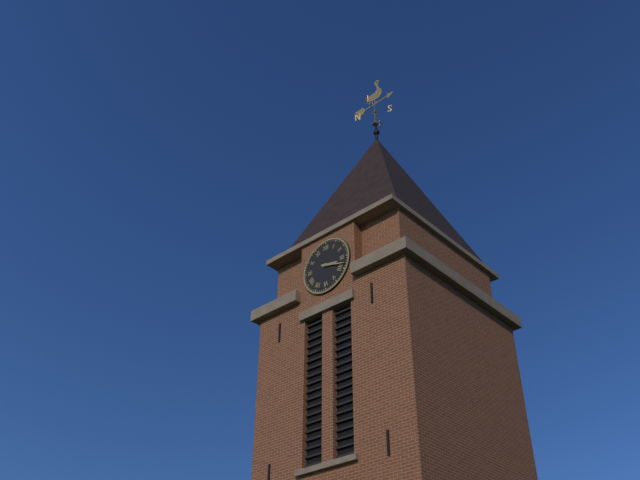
3:18
